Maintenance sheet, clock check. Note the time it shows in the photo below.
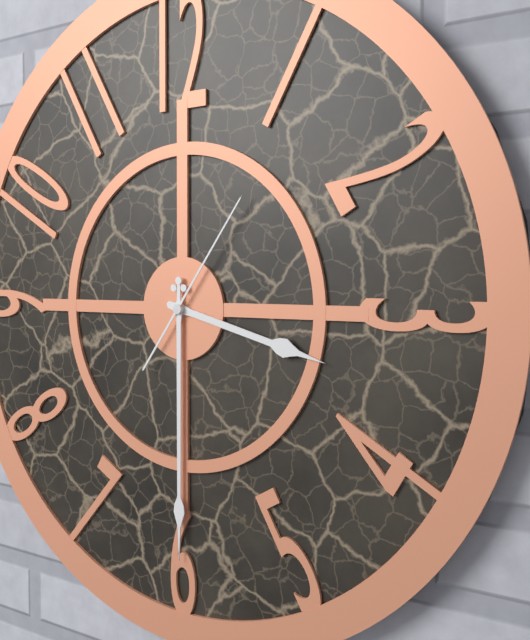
3:30:06
